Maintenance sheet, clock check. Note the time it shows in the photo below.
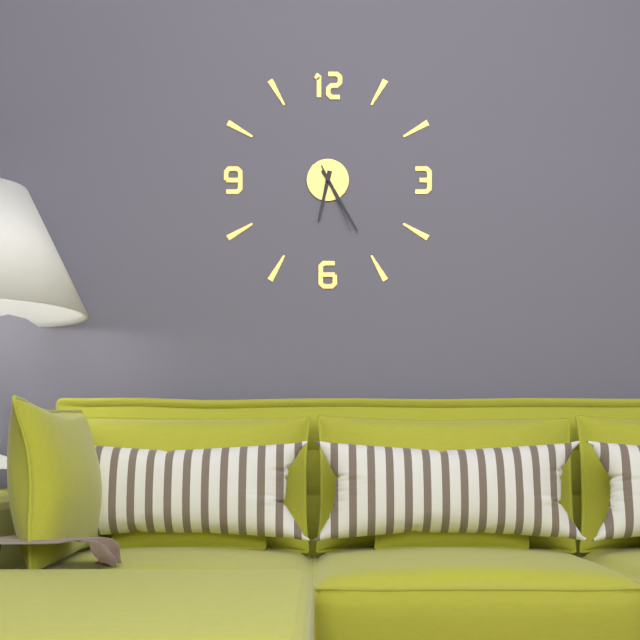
6:25:26
